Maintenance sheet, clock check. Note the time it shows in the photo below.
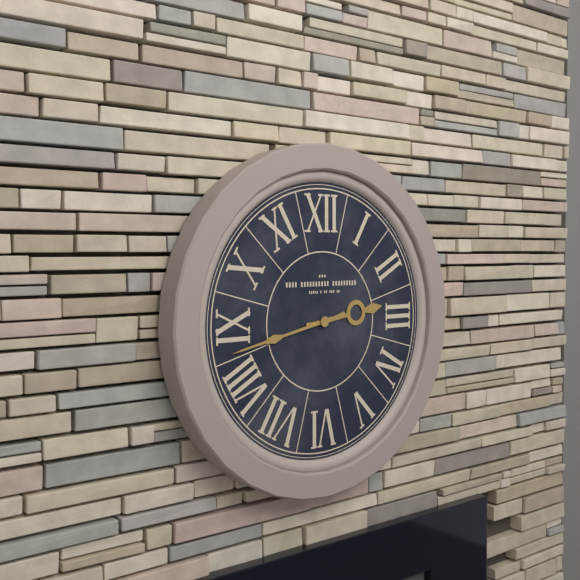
2:43
